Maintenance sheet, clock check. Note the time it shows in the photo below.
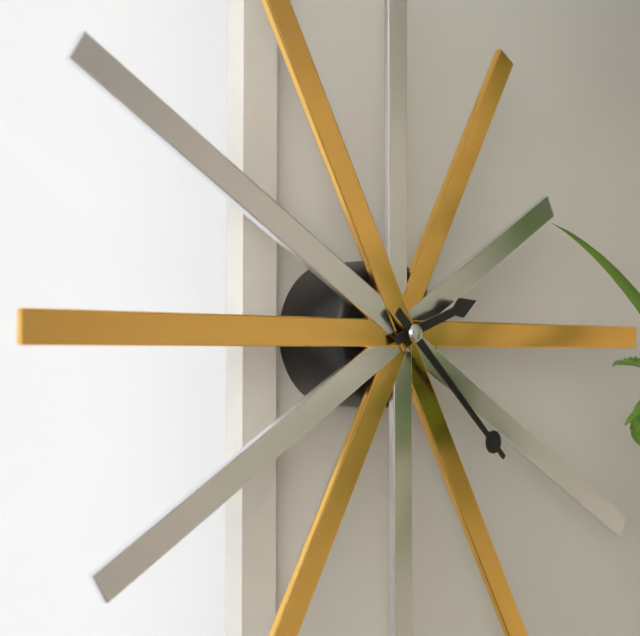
2:22
